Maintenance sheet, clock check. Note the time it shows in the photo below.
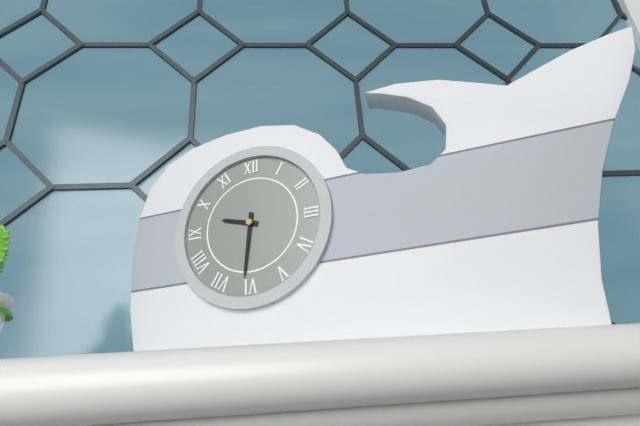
9:31
